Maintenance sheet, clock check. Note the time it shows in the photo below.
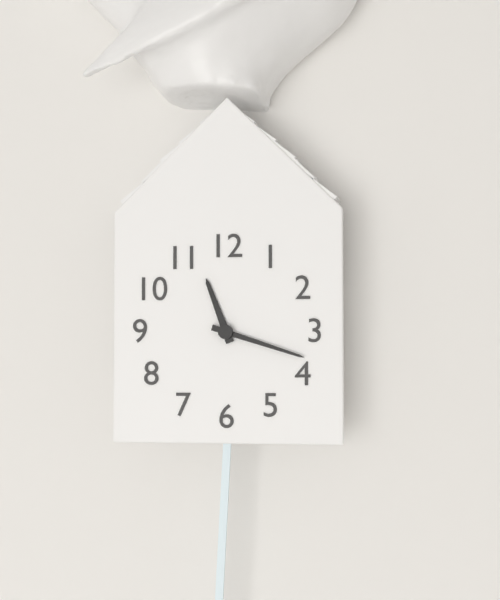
11:18
